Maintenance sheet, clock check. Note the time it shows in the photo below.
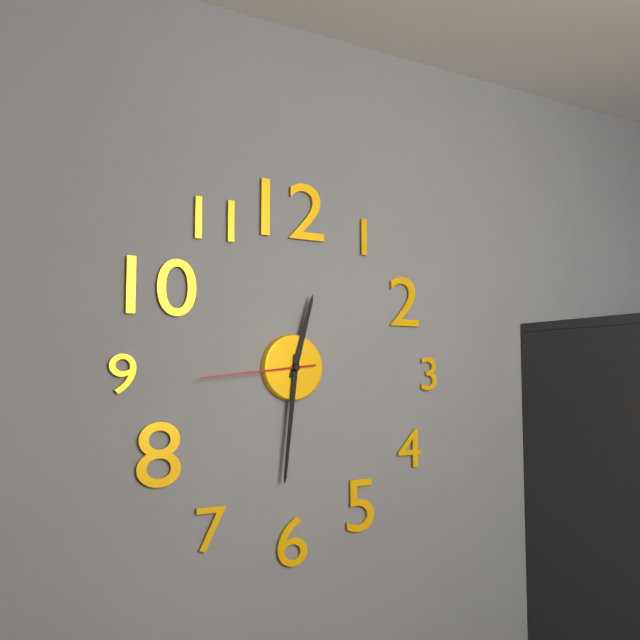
12:31:44
